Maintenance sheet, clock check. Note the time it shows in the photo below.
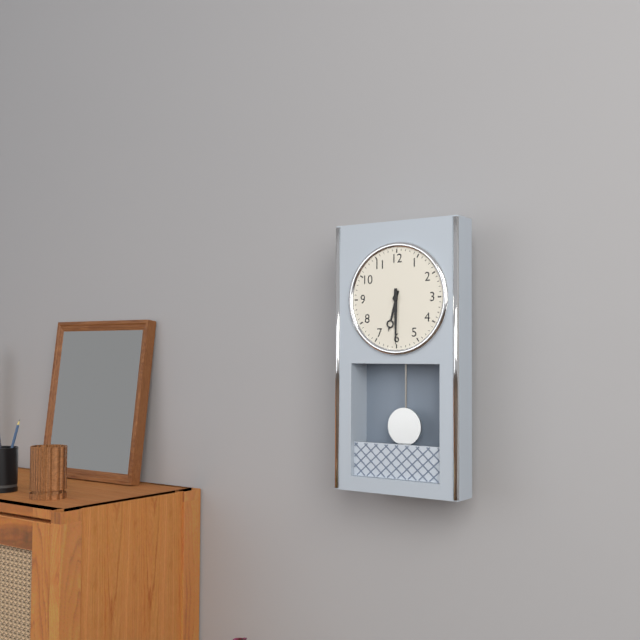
6:30
